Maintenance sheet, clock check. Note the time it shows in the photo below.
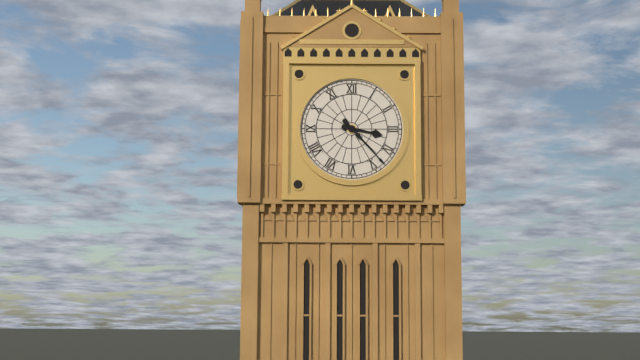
3:23
